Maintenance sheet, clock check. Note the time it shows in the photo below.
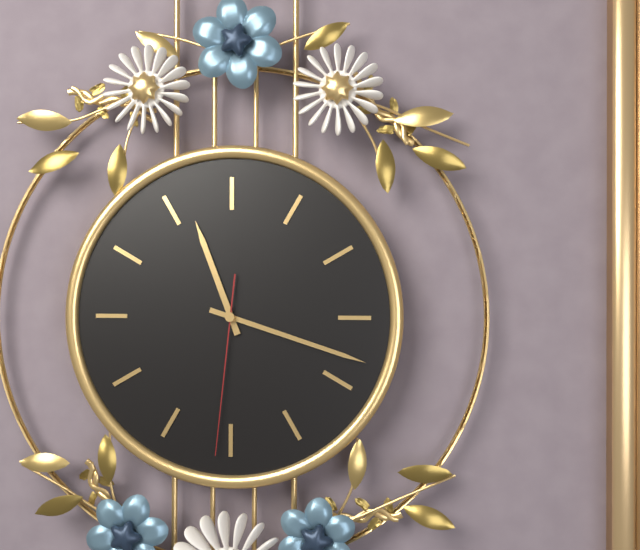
11:18:31
